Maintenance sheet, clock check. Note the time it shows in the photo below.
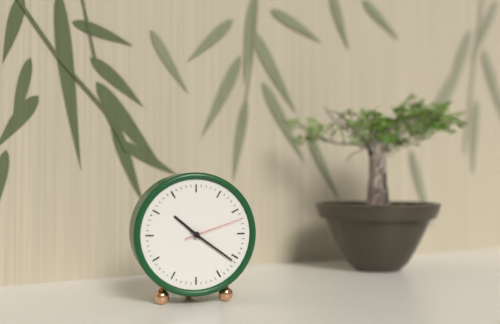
10:21:12
